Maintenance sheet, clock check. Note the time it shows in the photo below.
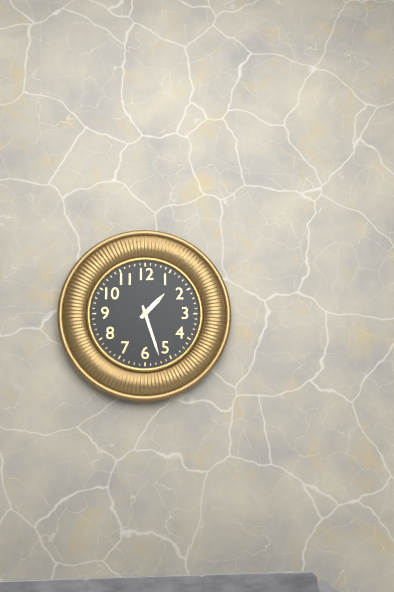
1:27
